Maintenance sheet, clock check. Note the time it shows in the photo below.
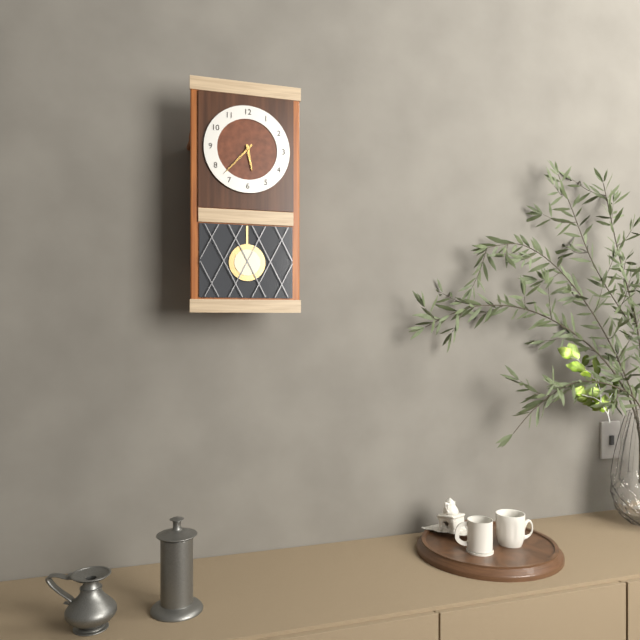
5:37
